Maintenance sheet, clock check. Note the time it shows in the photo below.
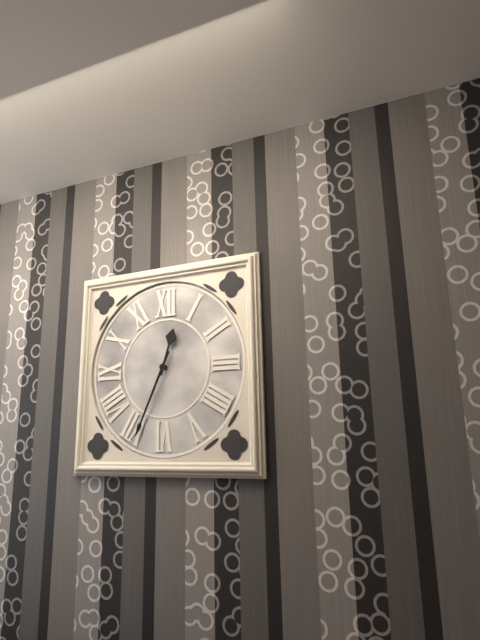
12:34
